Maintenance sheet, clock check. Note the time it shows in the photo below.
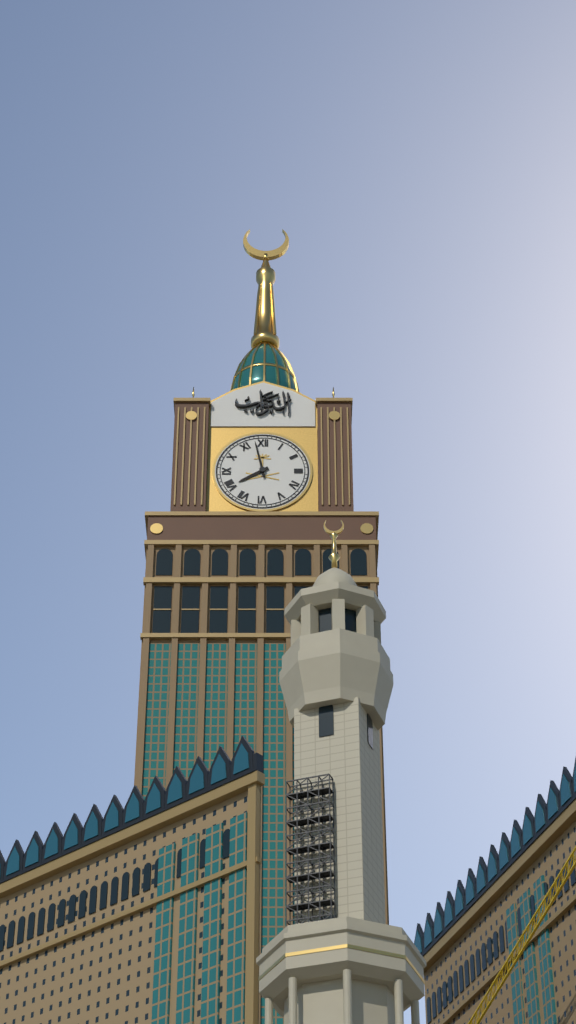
7:58
